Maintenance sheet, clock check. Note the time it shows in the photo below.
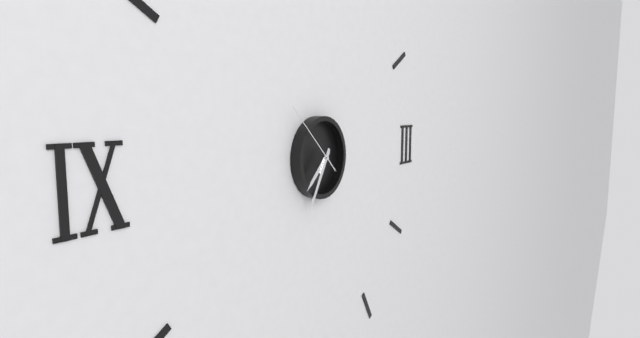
7:35:52
